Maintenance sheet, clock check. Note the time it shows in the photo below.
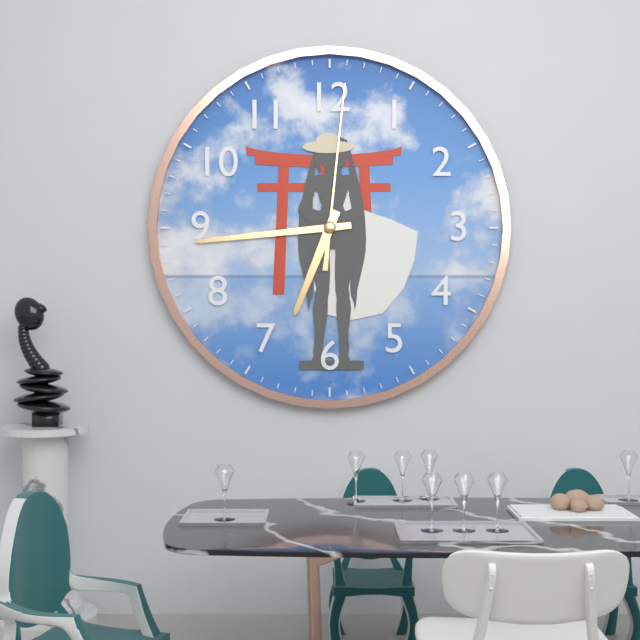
6:44:01
